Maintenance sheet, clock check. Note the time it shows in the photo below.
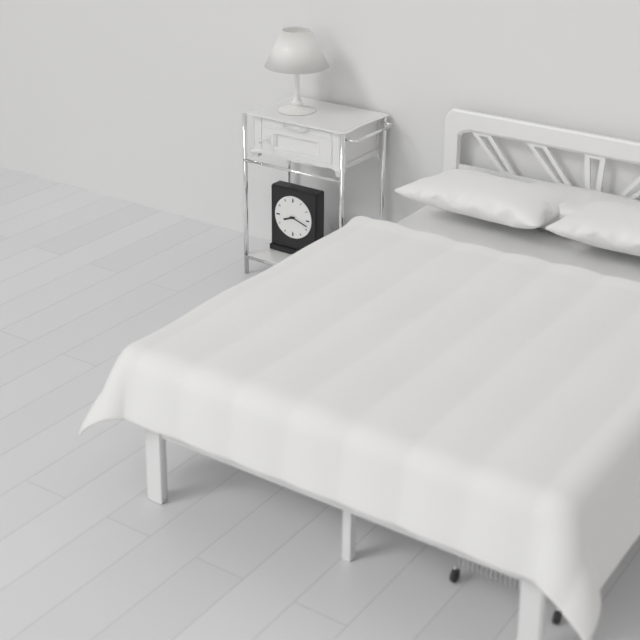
8:18
